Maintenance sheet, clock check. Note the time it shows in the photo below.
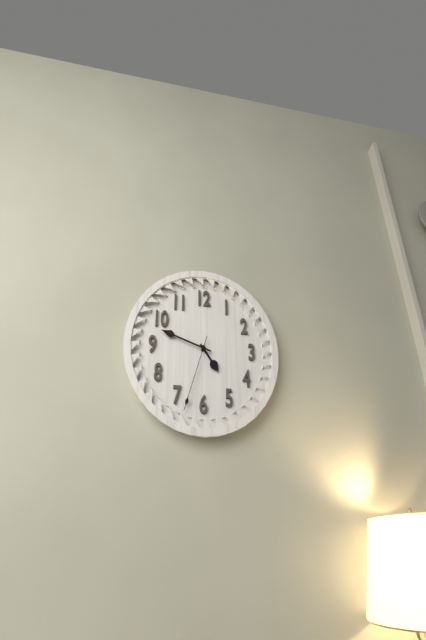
4:48:33
